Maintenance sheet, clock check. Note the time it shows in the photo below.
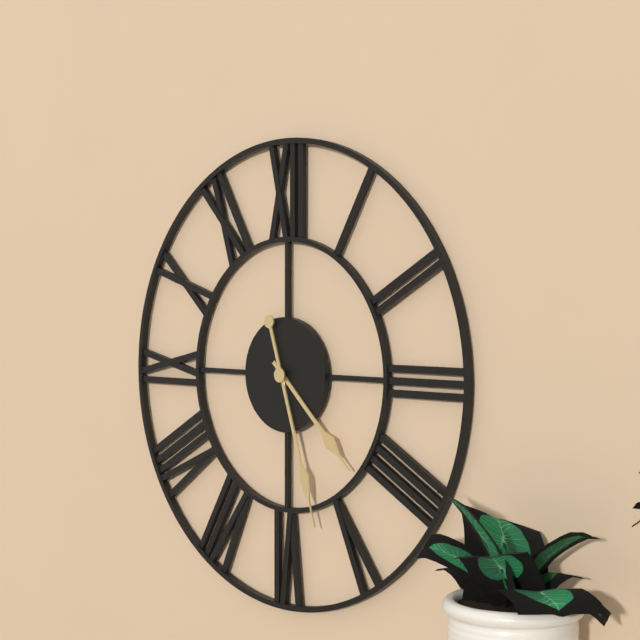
4:27
